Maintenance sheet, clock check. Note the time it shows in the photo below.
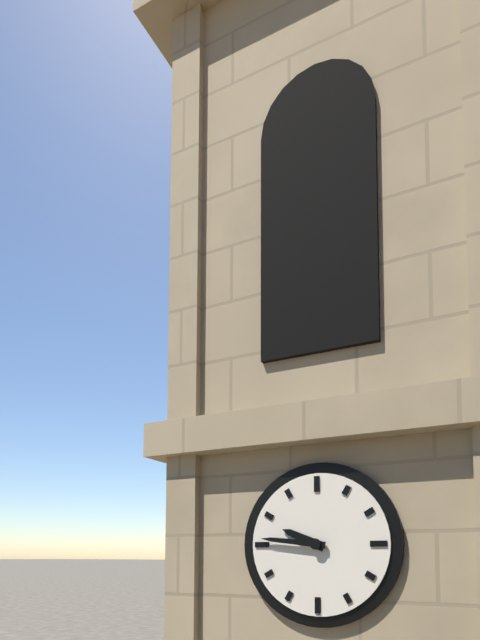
9:46
